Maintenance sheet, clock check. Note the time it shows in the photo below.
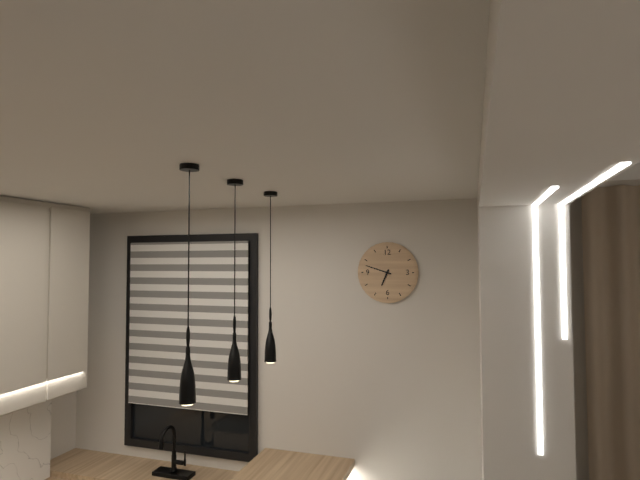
6:48
